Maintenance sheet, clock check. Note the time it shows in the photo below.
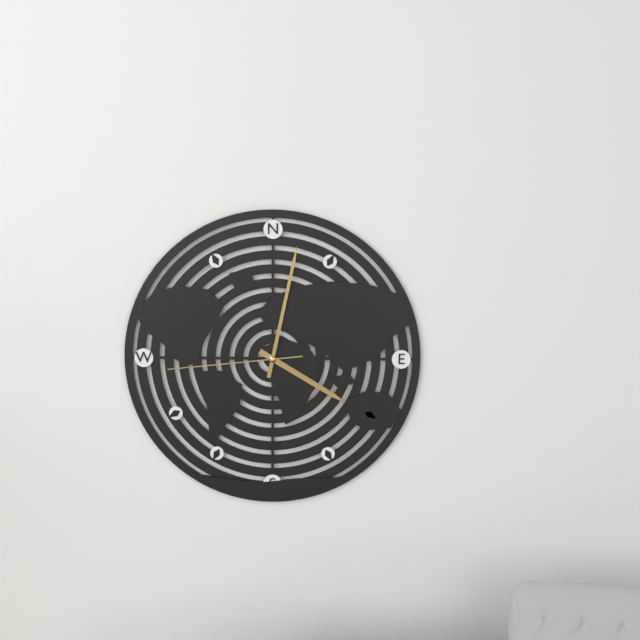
4:02:44
